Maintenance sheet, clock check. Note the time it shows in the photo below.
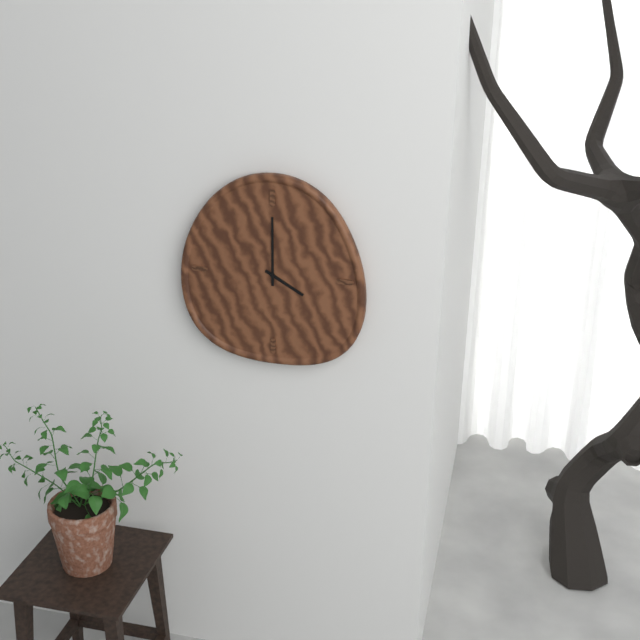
4:00
